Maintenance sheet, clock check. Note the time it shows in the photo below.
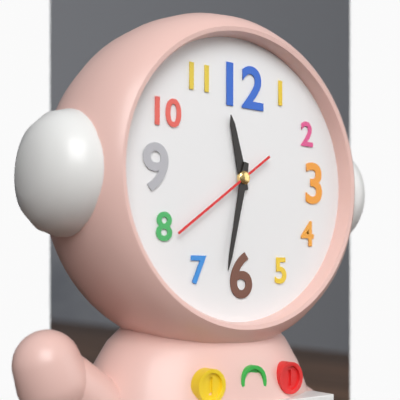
11:32:39
